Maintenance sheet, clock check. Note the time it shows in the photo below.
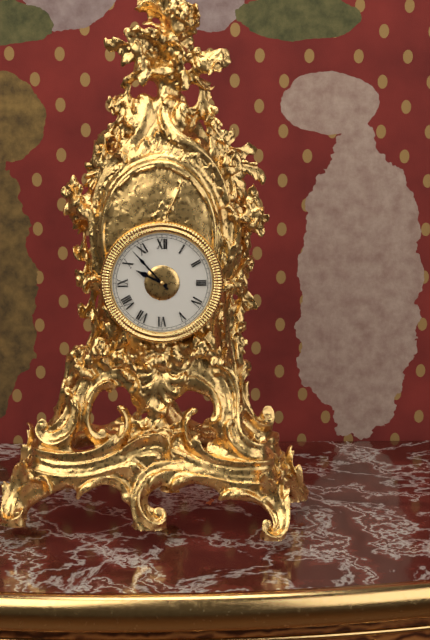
9:53
